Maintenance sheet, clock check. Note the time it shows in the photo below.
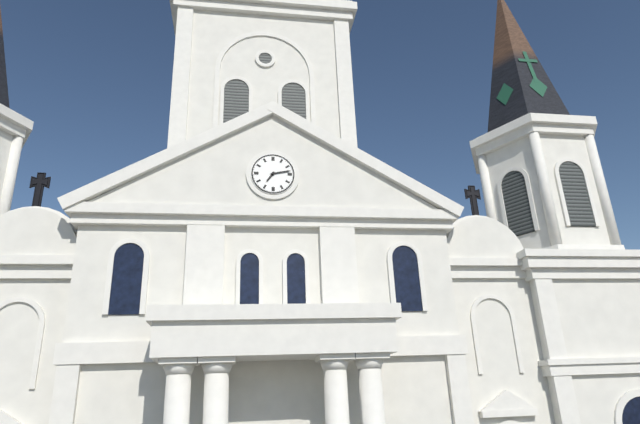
7:13
